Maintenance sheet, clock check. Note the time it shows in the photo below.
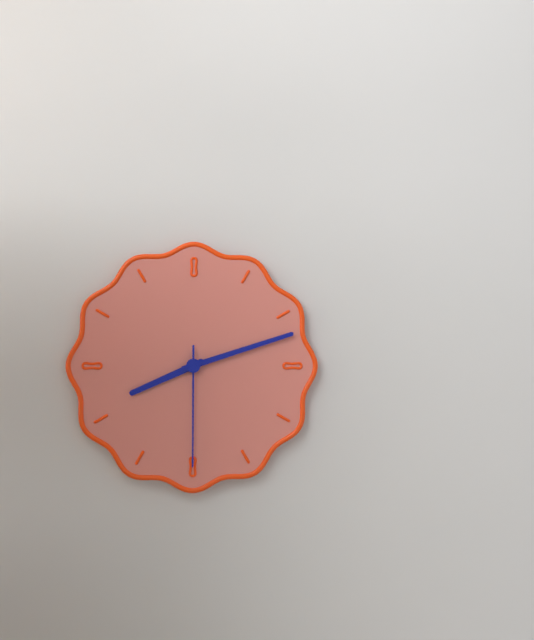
8:12:30
